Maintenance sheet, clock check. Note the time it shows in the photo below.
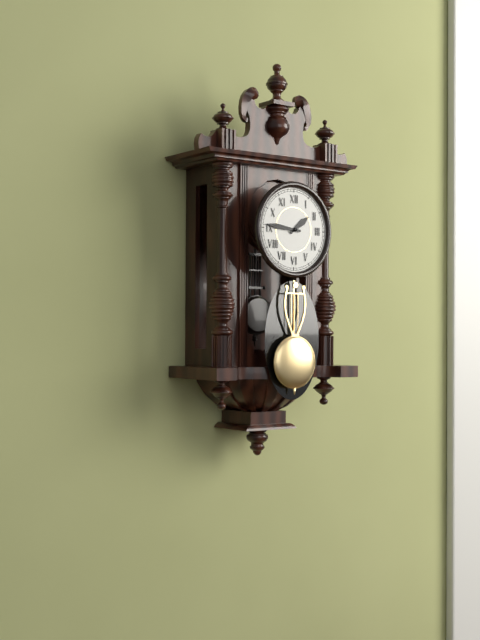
1:46
